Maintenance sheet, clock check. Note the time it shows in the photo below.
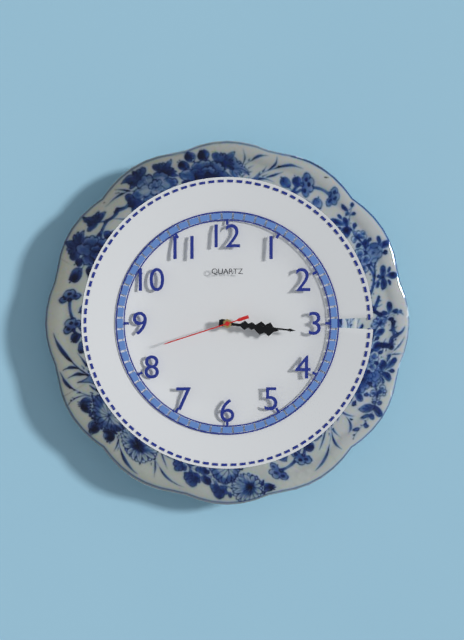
3:16:42
